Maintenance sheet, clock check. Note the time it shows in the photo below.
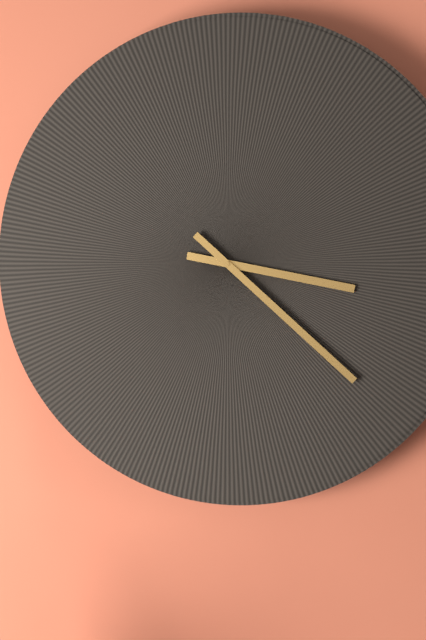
3:22
